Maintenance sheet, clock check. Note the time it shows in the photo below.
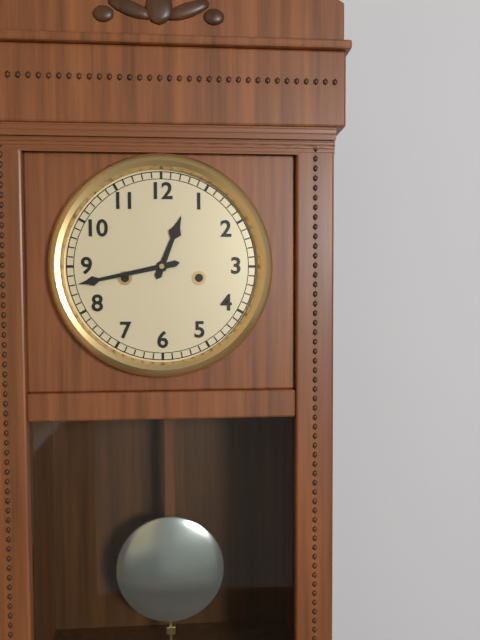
12:43
